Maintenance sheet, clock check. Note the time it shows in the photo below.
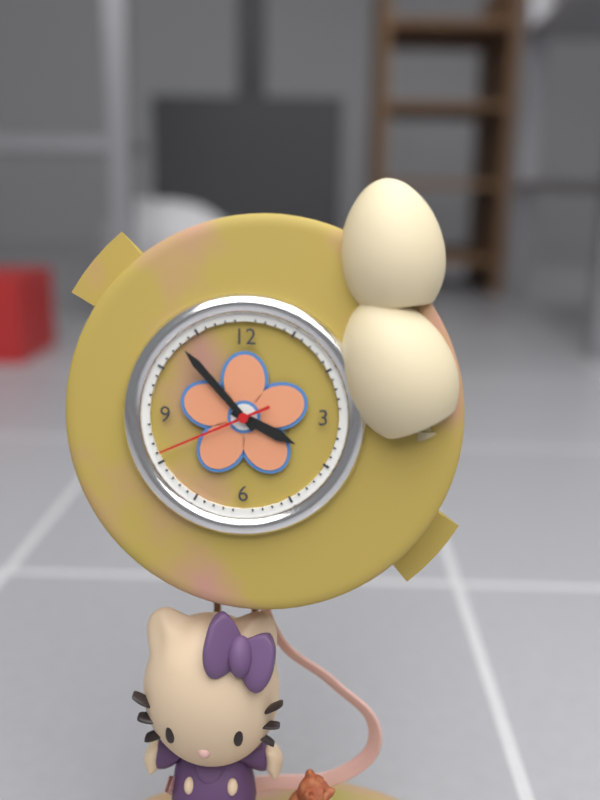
3:53:41
